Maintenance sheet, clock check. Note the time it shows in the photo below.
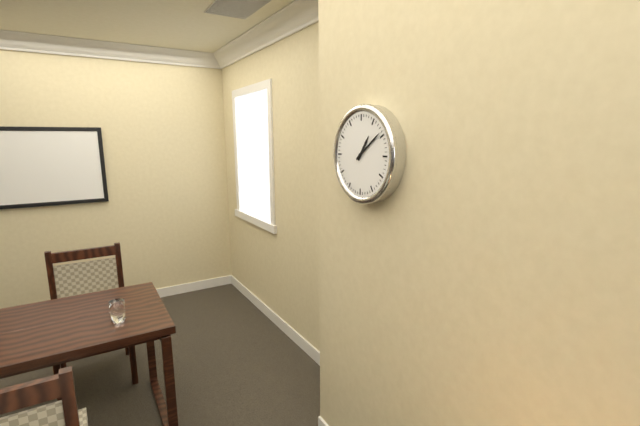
1:09
